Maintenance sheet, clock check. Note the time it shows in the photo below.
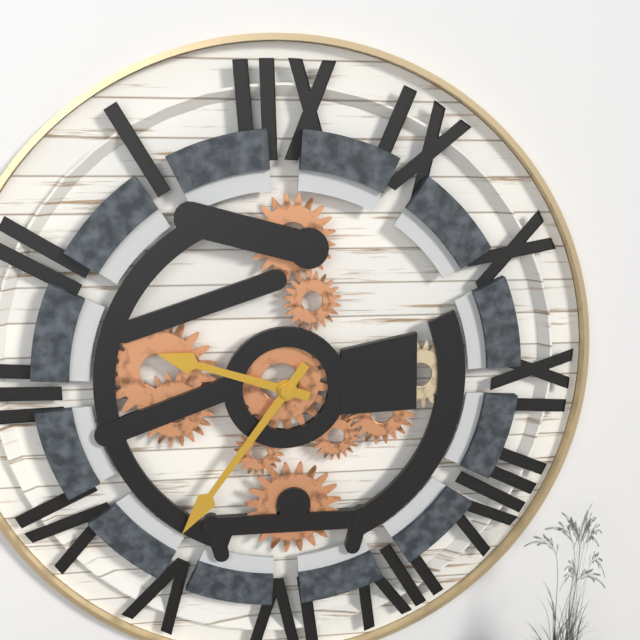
9:36
